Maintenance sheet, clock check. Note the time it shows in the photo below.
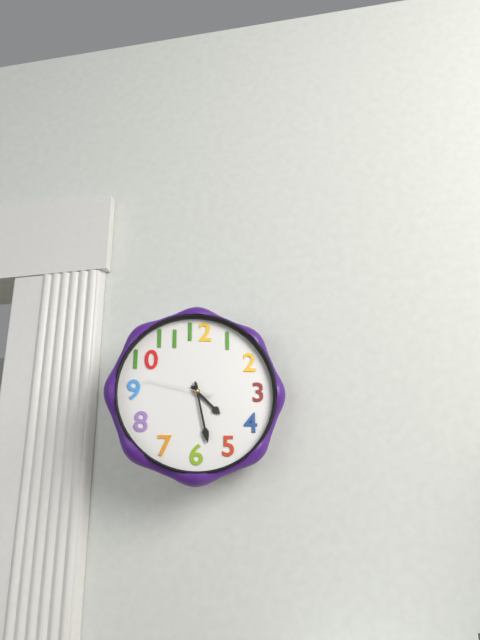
4:28:47
